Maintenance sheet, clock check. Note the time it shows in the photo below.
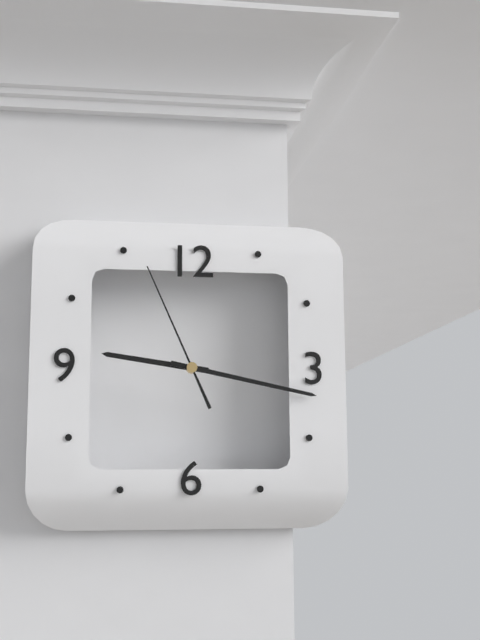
9:17:56
